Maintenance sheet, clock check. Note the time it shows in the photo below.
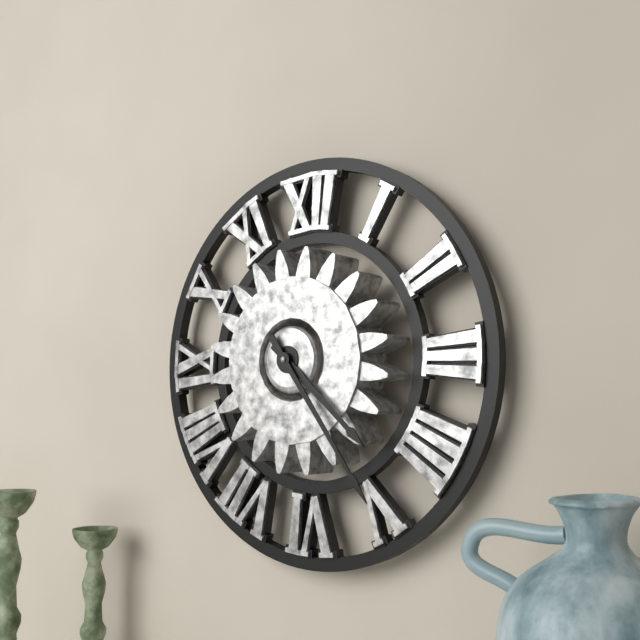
4:24
